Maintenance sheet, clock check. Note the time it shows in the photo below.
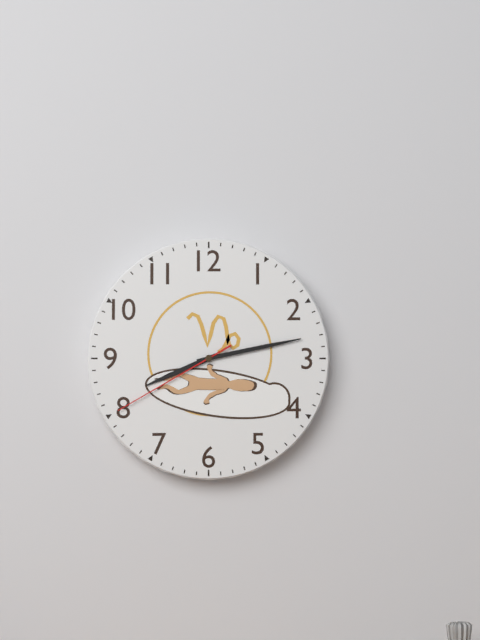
8:13:40
